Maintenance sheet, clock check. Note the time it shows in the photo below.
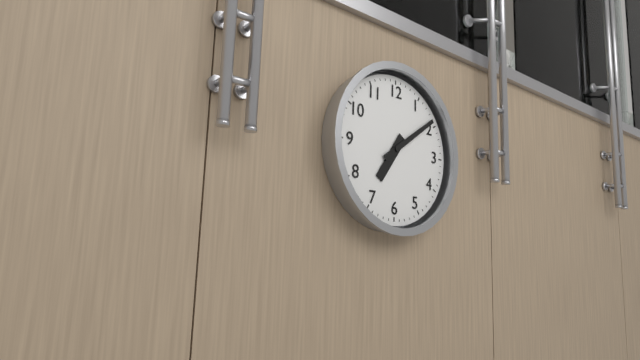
7:09
